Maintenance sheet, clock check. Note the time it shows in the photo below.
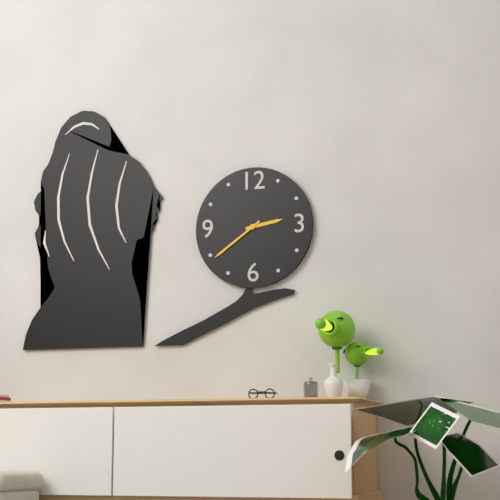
2:39
